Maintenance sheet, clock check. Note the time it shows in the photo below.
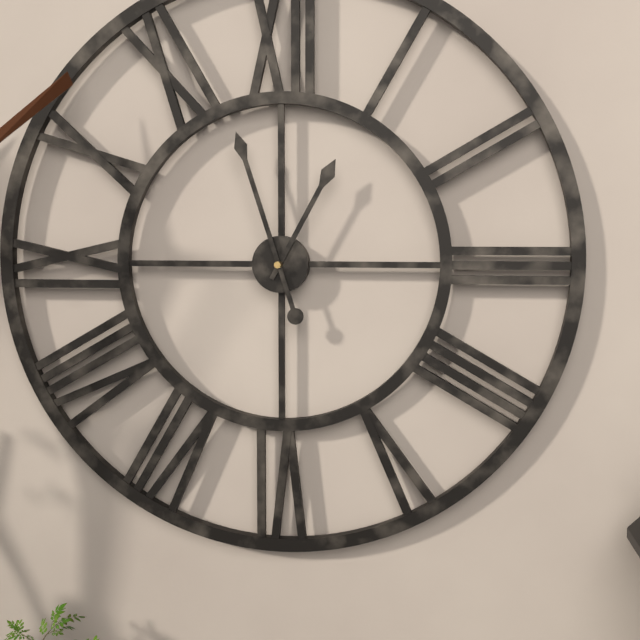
12:57
